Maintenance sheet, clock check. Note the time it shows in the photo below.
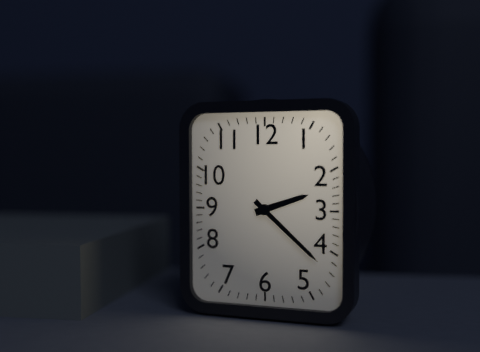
2:22
